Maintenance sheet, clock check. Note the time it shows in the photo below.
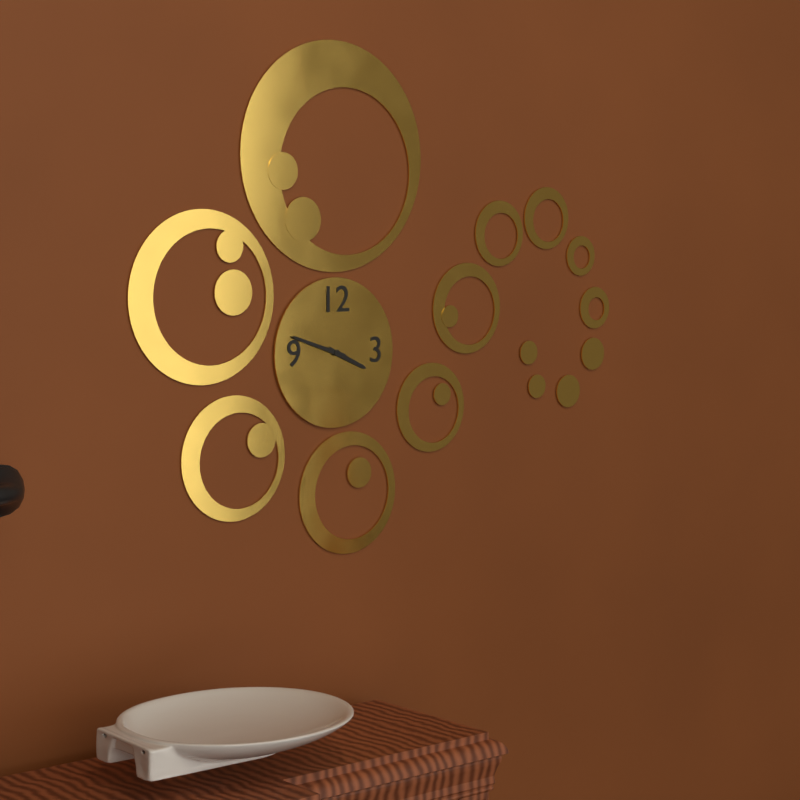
3:48
